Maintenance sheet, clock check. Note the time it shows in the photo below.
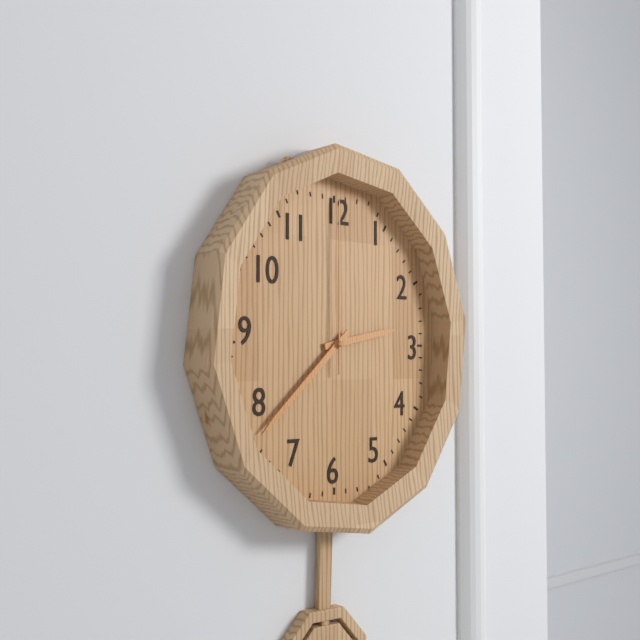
2:38:00
